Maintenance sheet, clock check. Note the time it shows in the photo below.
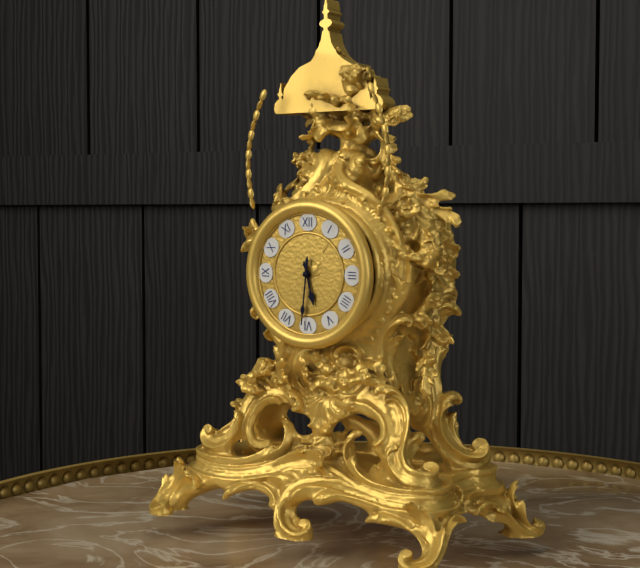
5:31
